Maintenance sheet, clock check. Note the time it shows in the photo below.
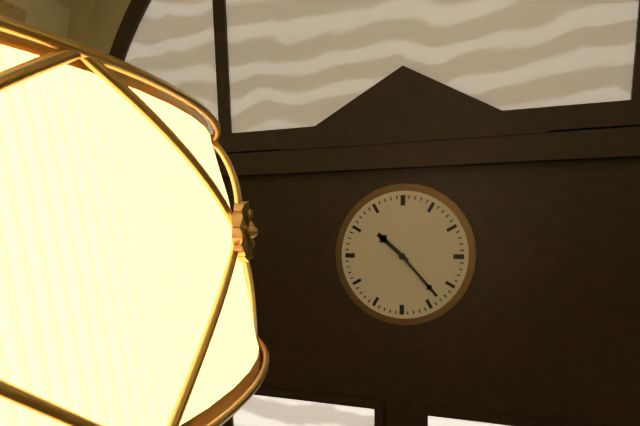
10:23
